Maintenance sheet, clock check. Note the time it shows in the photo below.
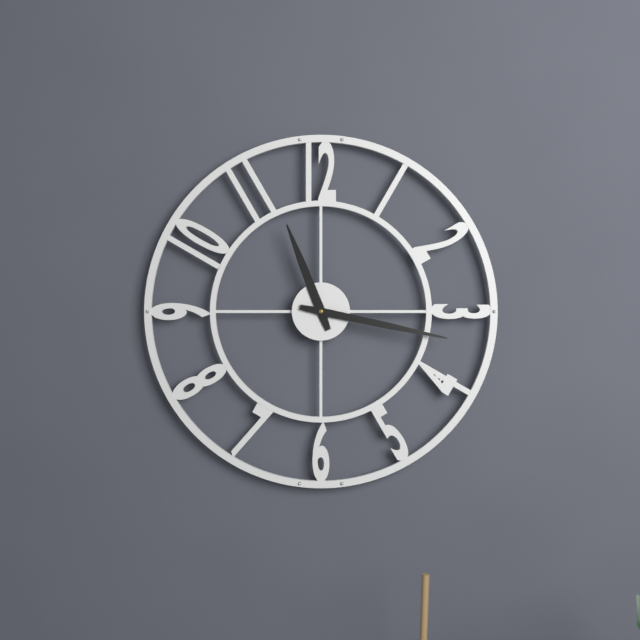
11:17
